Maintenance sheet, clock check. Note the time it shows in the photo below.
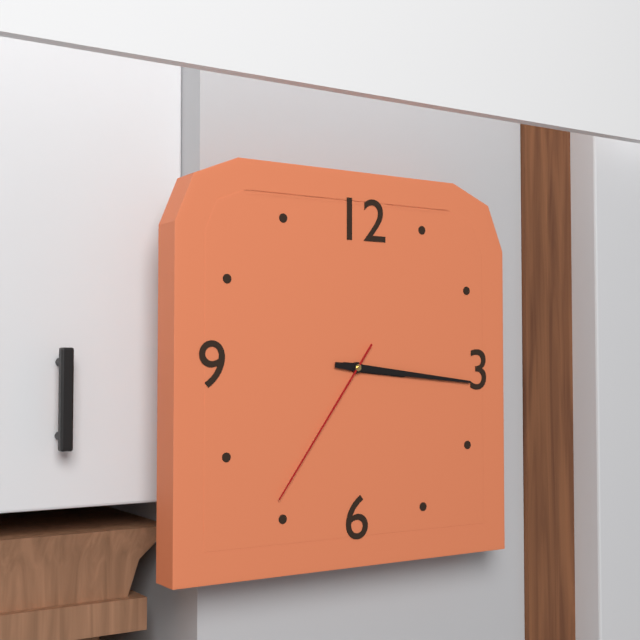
3:16:36
